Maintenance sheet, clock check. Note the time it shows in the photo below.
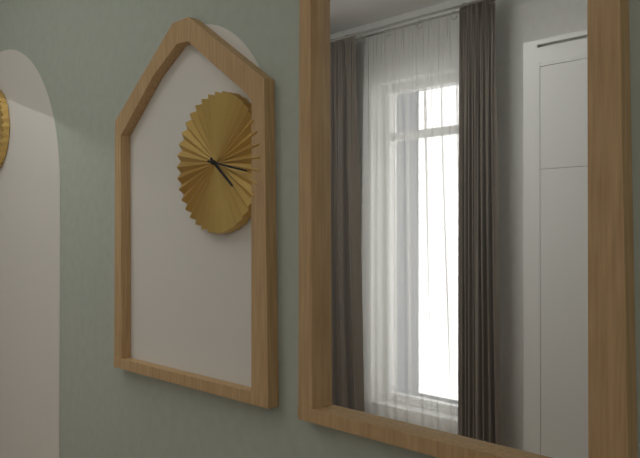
4:17
